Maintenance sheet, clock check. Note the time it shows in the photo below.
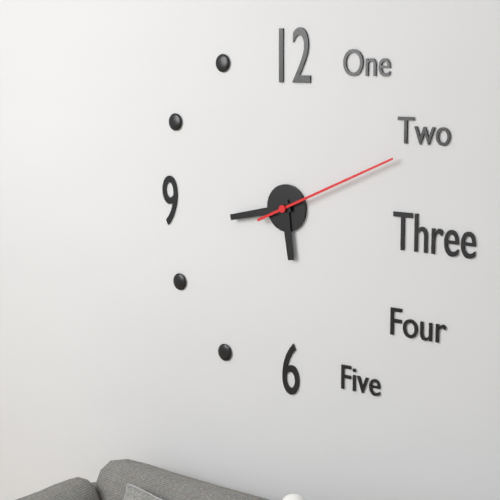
5:43:11
